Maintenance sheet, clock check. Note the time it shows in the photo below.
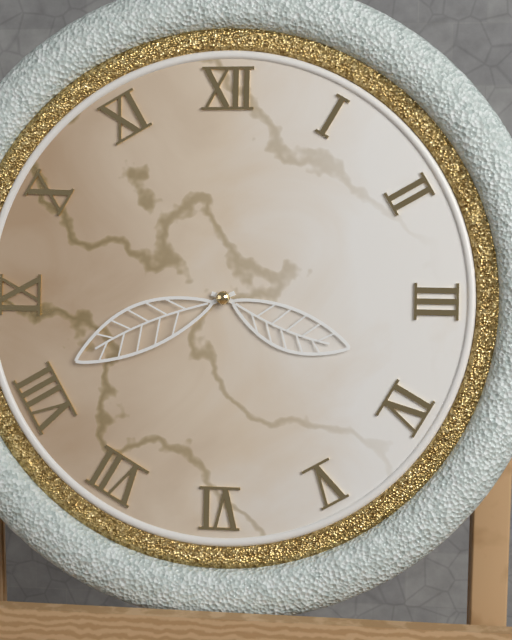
3:41
